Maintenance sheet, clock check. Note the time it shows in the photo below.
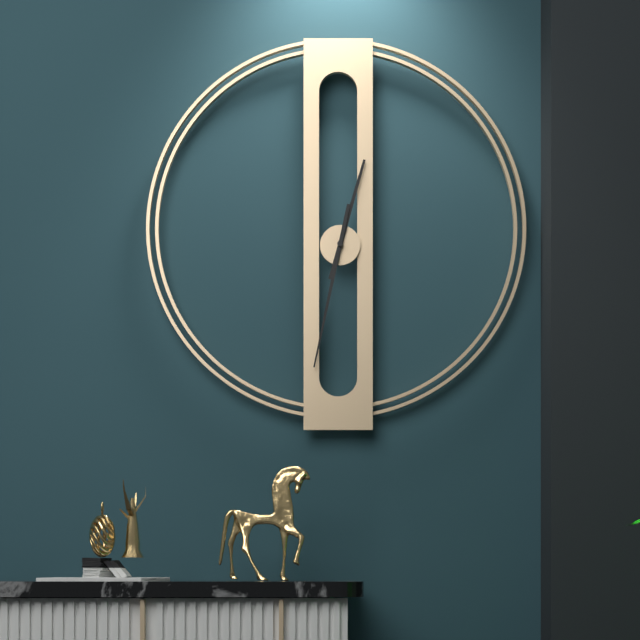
12:32
